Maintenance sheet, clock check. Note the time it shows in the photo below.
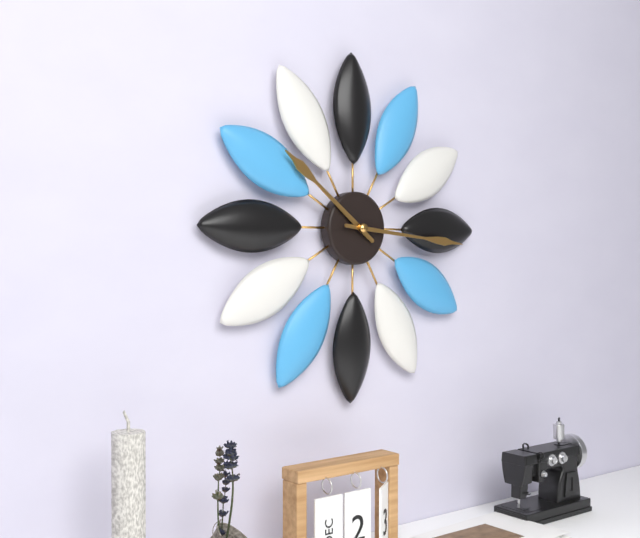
10:16
